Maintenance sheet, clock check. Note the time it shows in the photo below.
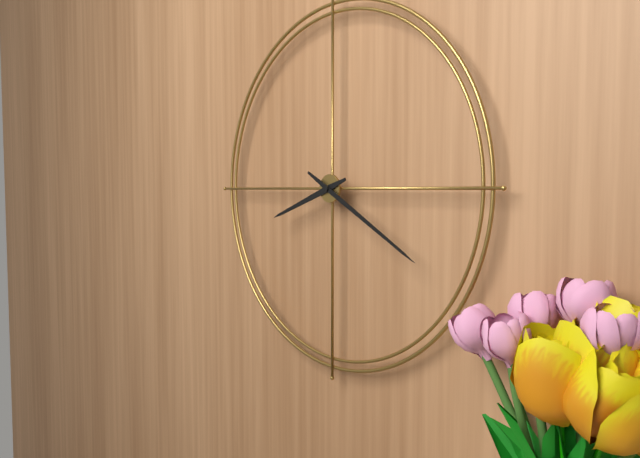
8:20
